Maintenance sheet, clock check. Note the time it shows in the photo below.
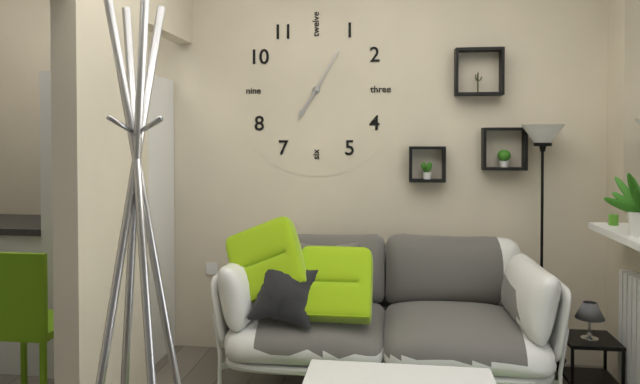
7:05
